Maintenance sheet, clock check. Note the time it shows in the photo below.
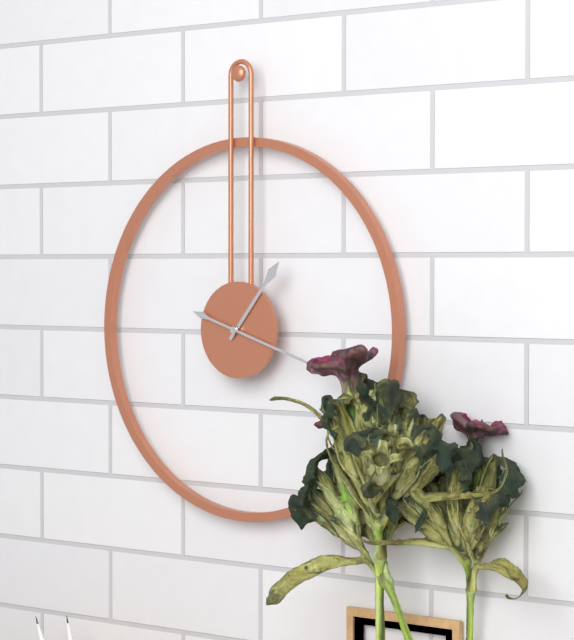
1:18
